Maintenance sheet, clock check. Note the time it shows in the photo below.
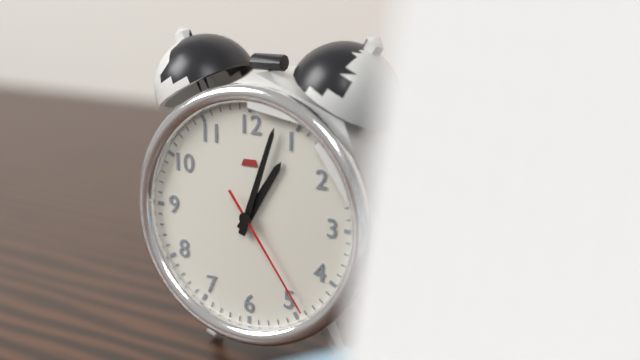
1:03:24
